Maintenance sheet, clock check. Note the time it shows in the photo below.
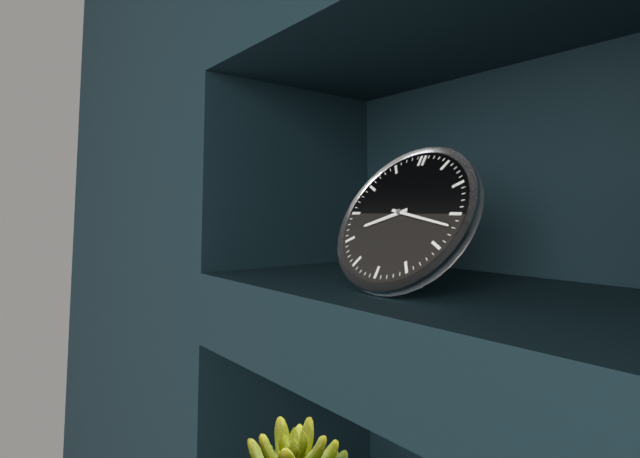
8:17
